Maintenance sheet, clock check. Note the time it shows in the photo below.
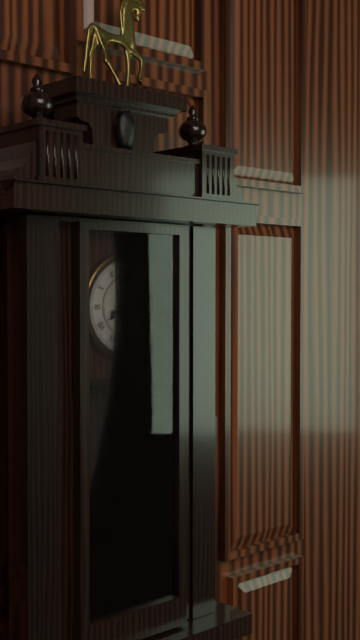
8:01
